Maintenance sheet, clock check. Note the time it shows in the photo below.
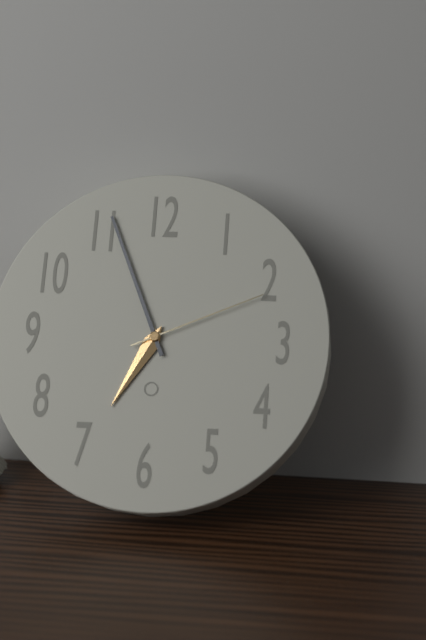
6:56:11
